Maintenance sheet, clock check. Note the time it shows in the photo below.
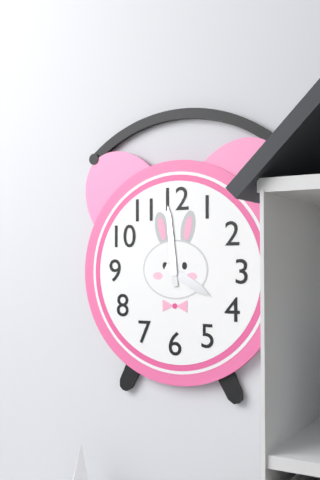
3:59
